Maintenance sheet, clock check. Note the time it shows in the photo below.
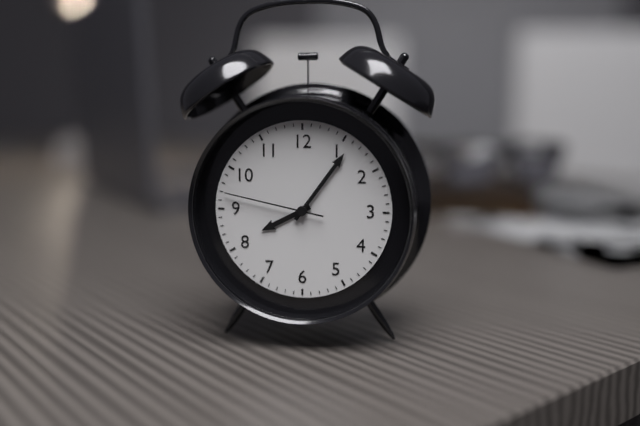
8:06:47
